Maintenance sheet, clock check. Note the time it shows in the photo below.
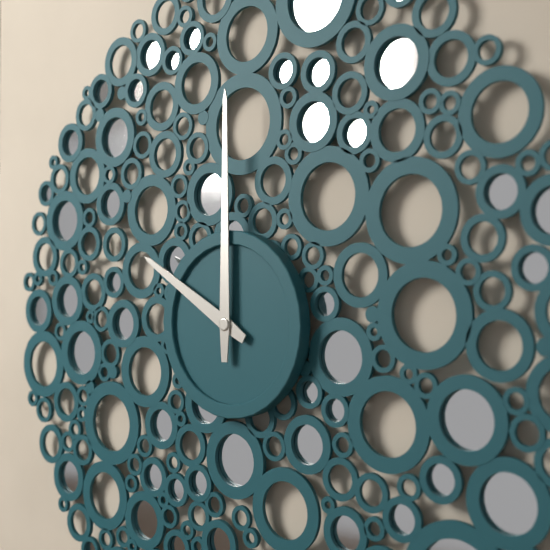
10:00
